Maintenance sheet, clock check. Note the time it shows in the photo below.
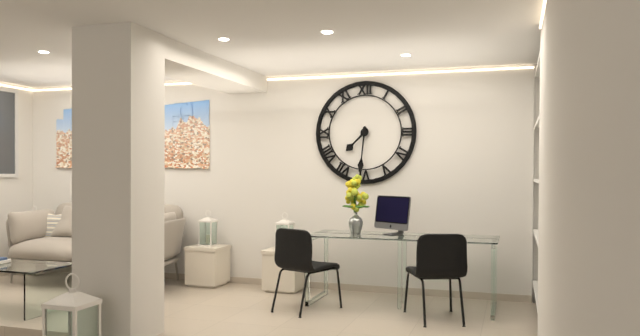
7:31
